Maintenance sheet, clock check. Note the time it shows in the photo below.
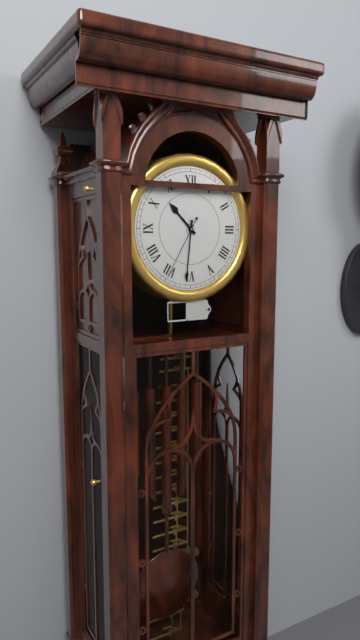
10:31:35
